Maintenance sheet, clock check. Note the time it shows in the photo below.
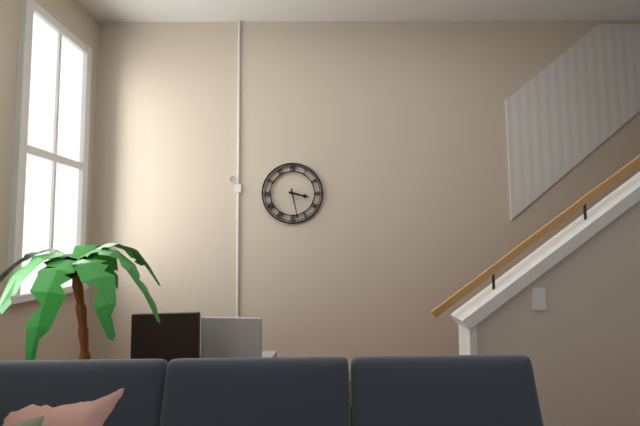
3:28
